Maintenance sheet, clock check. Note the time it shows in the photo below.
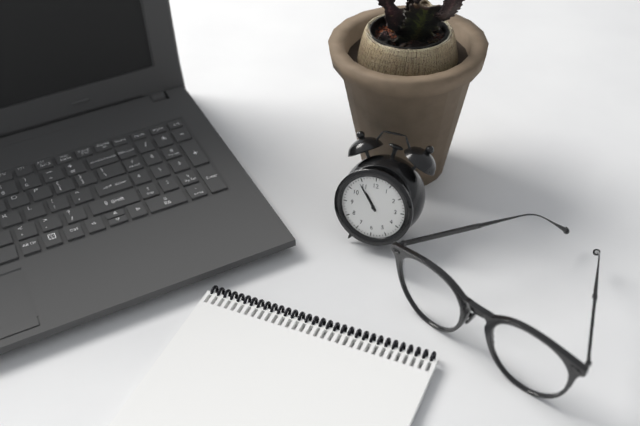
10:54
